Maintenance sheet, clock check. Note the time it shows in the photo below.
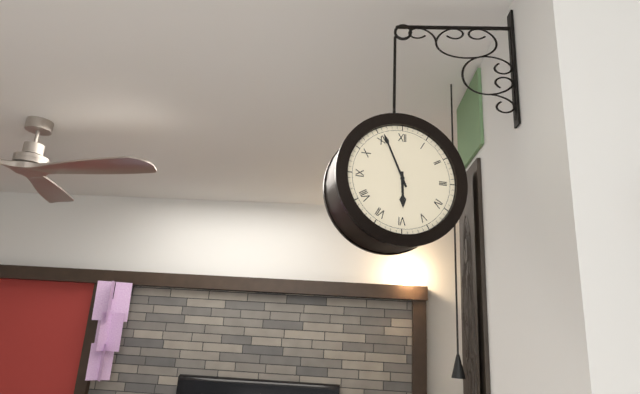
5:56
